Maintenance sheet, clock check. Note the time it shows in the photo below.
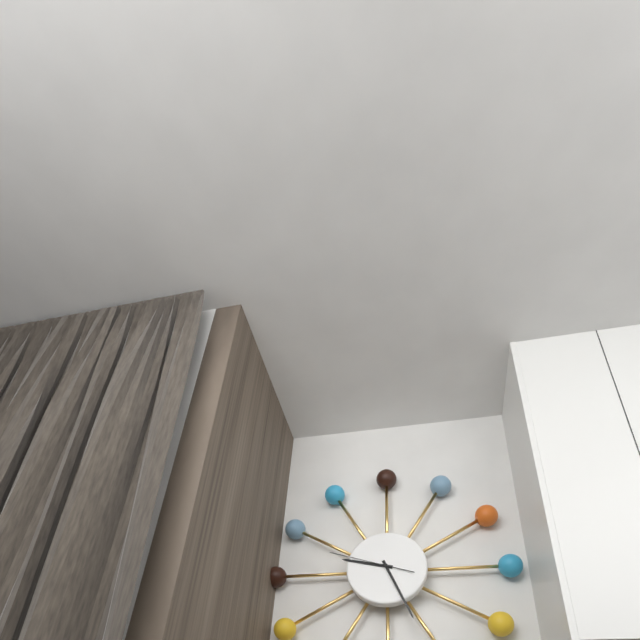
9:26:48
